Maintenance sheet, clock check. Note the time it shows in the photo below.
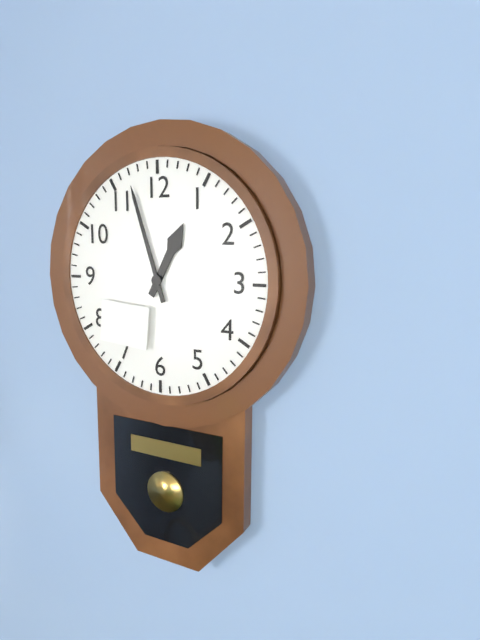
12:57
